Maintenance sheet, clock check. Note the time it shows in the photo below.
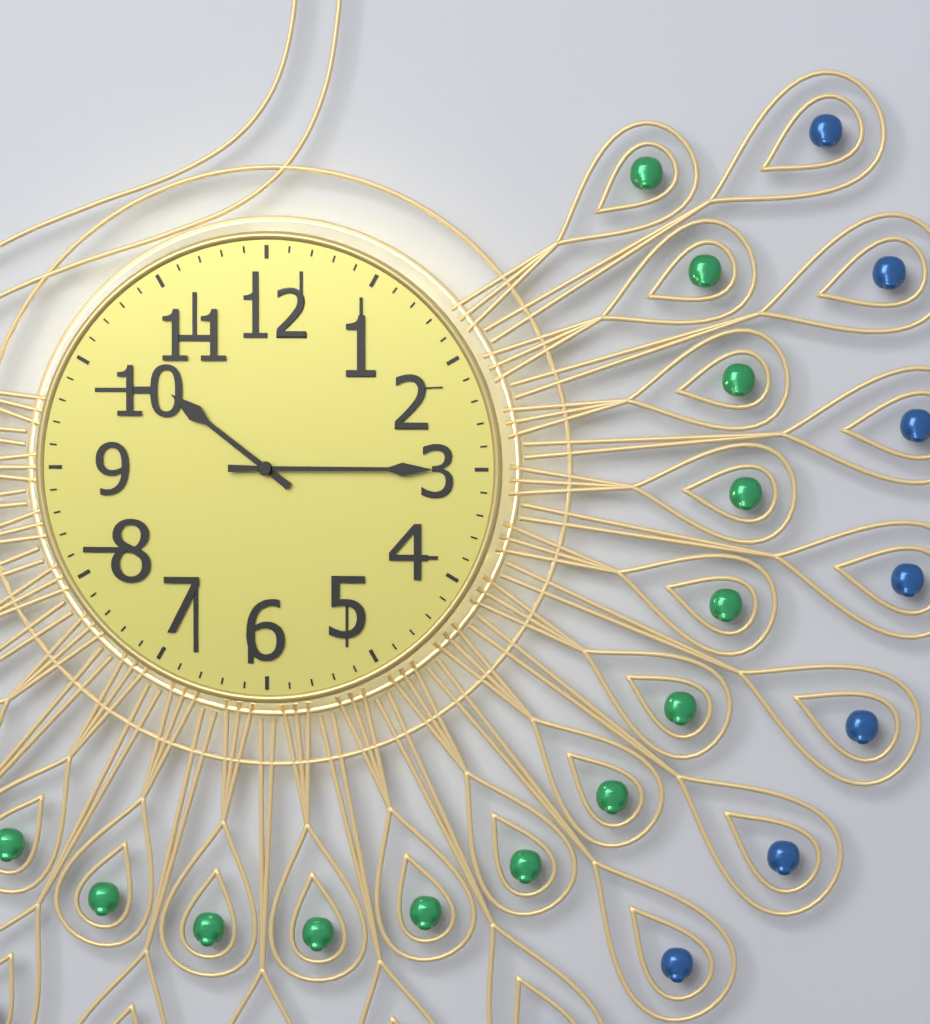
10:15
